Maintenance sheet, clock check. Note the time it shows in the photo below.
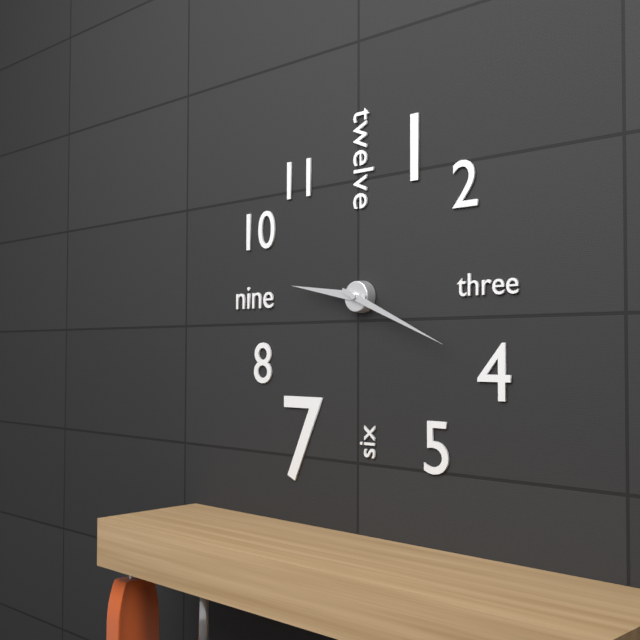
9:19
